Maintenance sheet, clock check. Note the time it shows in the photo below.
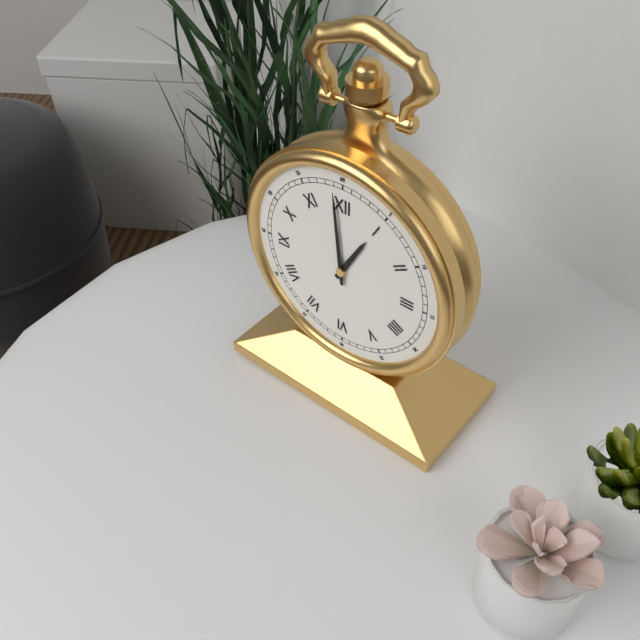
12:59
